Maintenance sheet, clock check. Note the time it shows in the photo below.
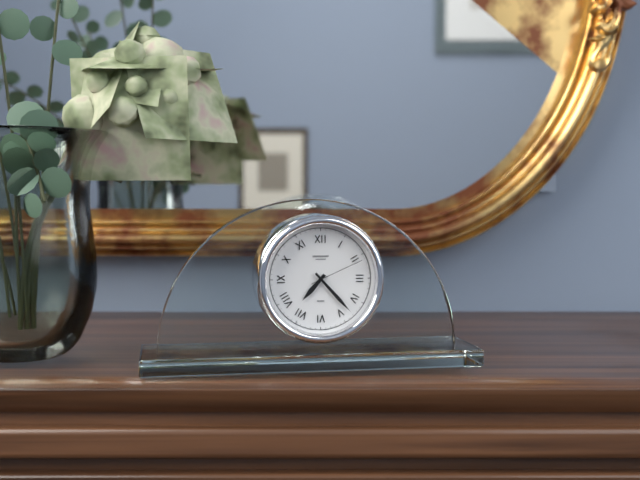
7:23:11
